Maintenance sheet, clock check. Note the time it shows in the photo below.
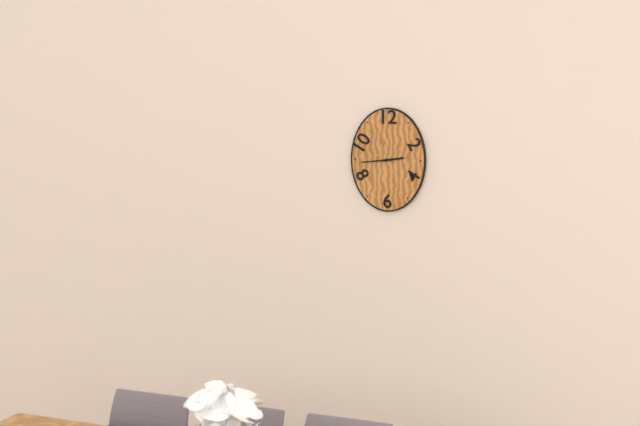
2:44
